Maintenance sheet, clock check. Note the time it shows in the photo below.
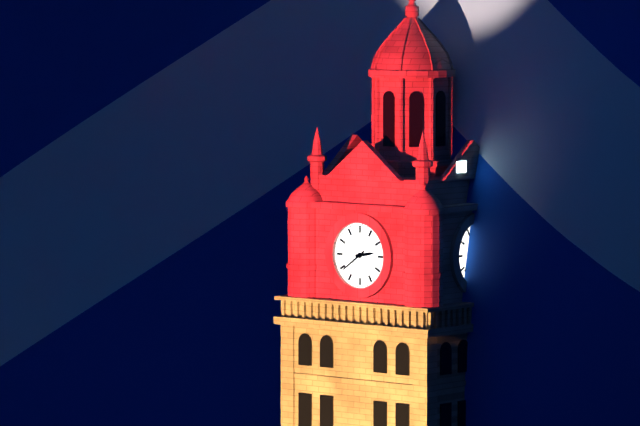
2:39
